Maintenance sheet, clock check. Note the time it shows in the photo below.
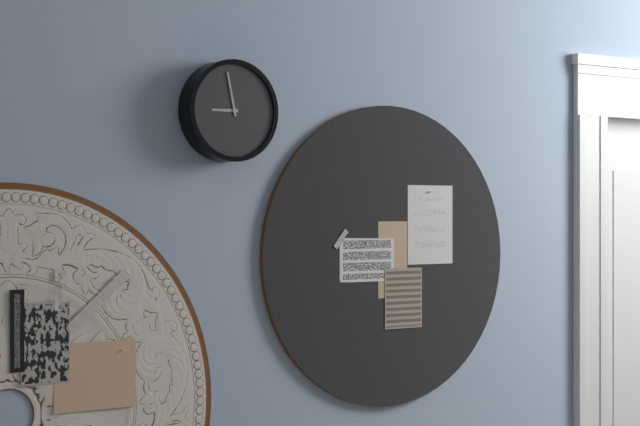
8:58
